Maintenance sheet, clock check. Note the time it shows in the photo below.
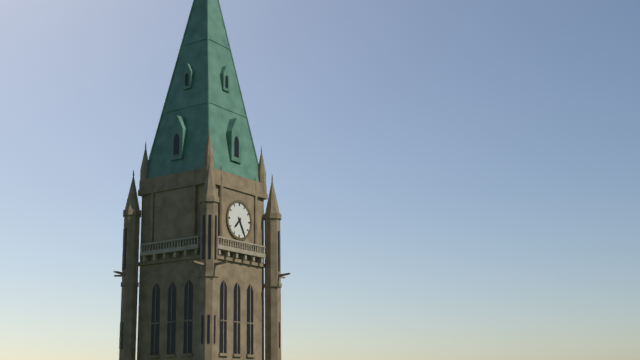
7:25
